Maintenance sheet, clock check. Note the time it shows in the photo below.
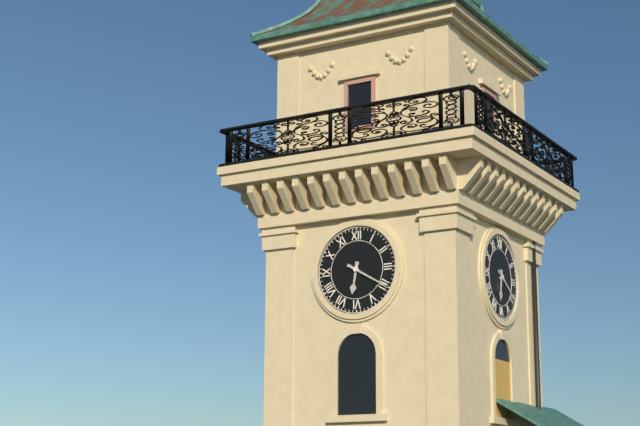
6:20
